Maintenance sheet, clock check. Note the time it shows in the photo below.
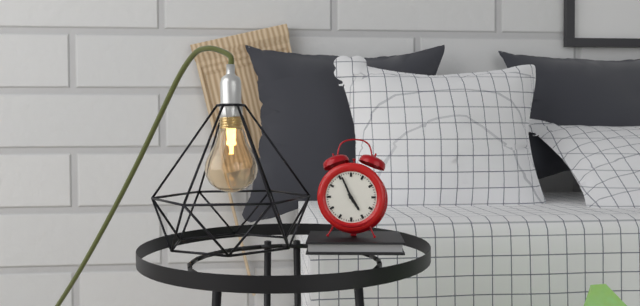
4:56
